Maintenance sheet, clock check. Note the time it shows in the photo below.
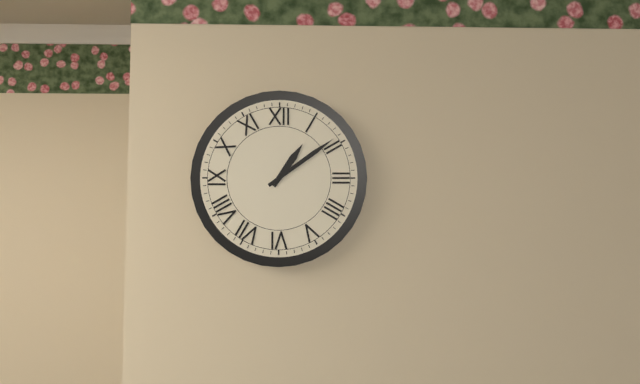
1:09
